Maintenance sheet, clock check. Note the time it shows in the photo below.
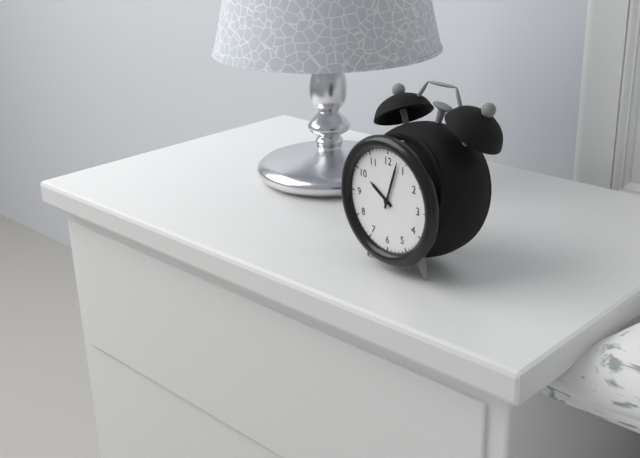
10:03
